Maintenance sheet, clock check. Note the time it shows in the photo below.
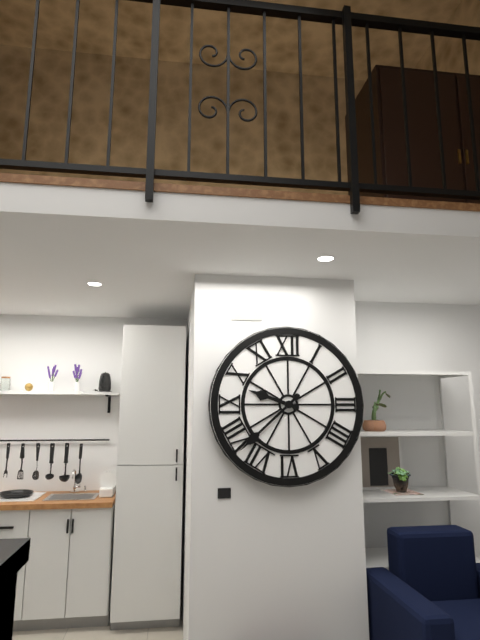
9:38
